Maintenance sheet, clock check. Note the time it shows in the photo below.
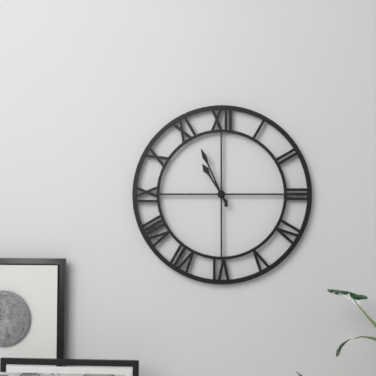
10:56
